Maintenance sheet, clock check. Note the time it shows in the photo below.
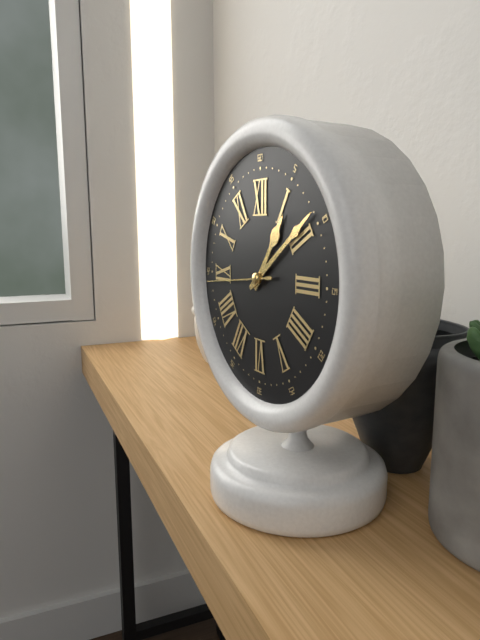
1:09:44
